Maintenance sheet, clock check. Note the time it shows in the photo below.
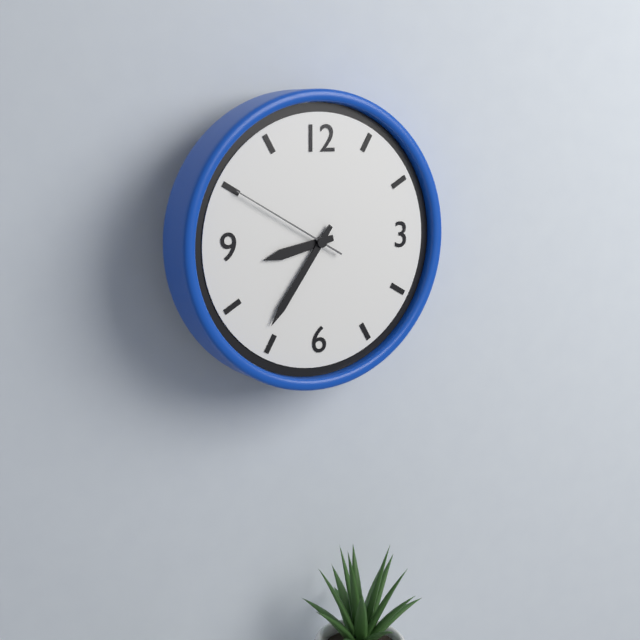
8:36:50
